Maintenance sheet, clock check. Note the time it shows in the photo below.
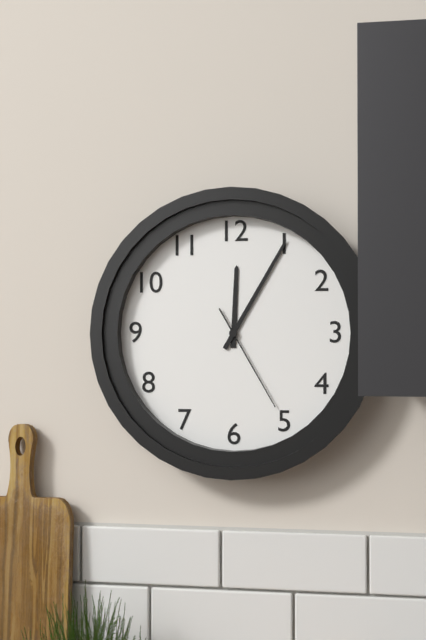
12:05:25
